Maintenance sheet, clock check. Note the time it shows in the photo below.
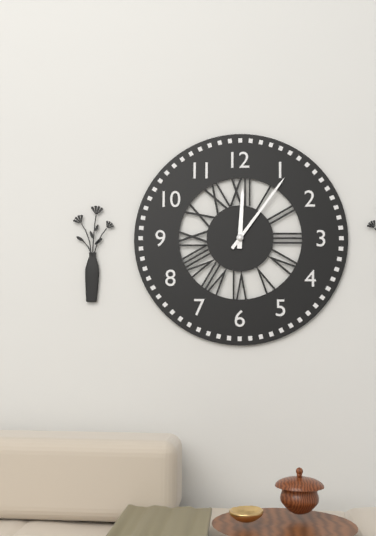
12:06
